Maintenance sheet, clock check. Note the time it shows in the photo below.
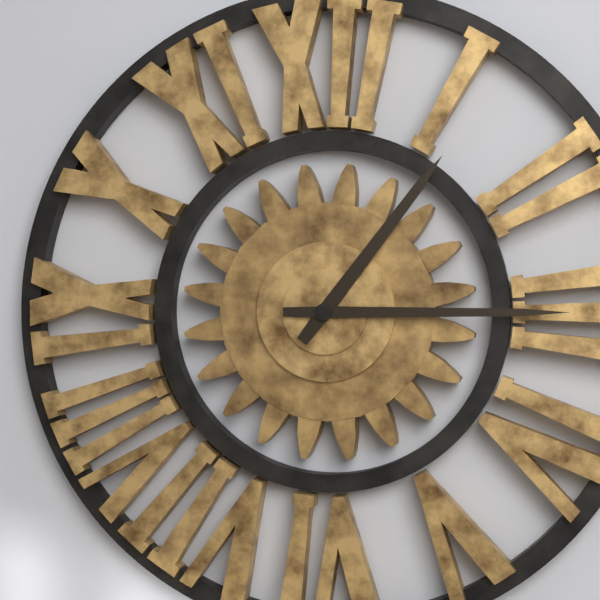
1:15
